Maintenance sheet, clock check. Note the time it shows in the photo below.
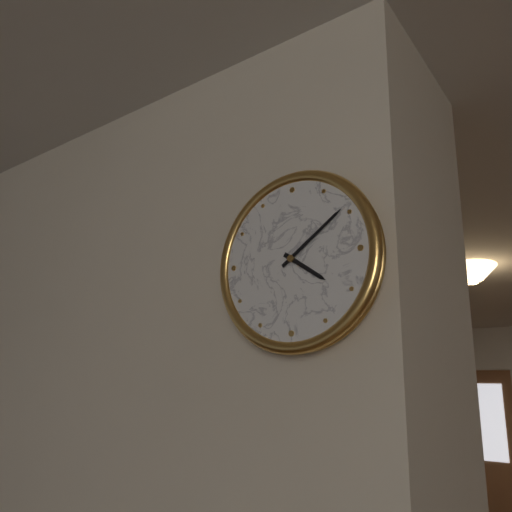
4:09
